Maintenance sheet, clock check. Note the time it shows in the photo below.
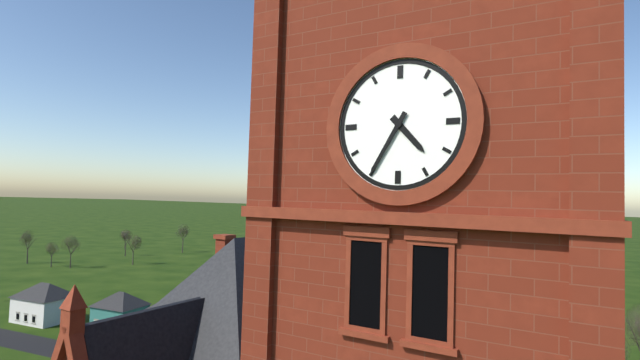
4:35
